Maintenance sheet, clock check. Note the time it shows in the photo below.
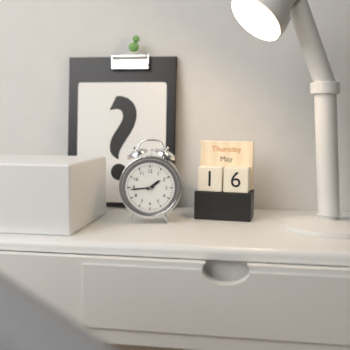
1:44
